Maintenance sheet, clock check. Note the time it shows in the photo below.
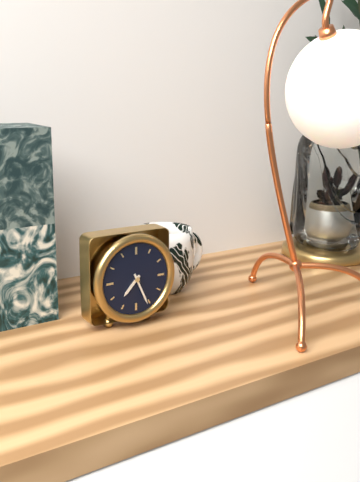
7:26
